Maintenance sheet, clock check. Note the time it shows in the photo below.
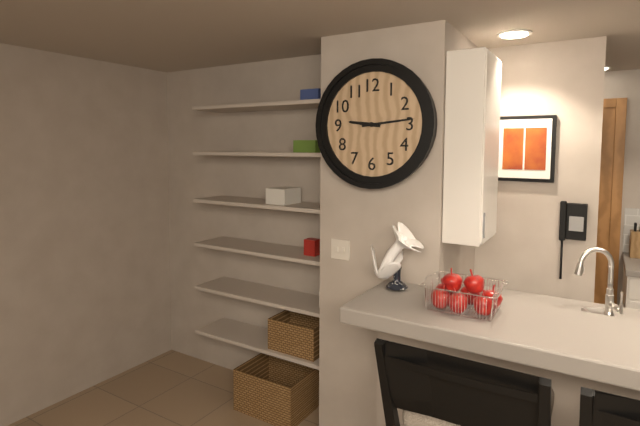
9:14
